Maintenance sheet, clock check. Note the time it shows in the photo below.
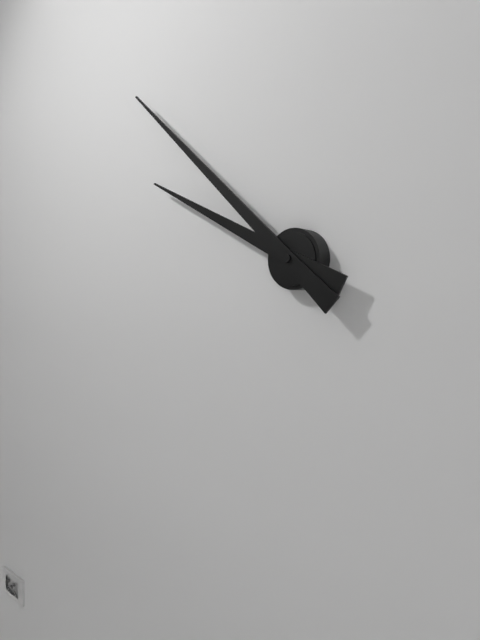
9:52
